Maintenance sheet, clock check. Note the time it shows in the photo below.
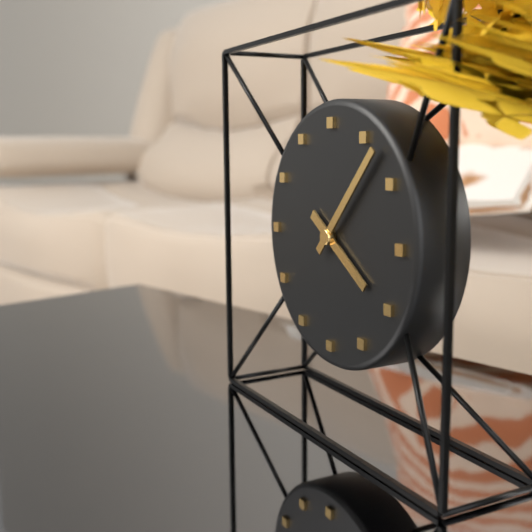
4:07
